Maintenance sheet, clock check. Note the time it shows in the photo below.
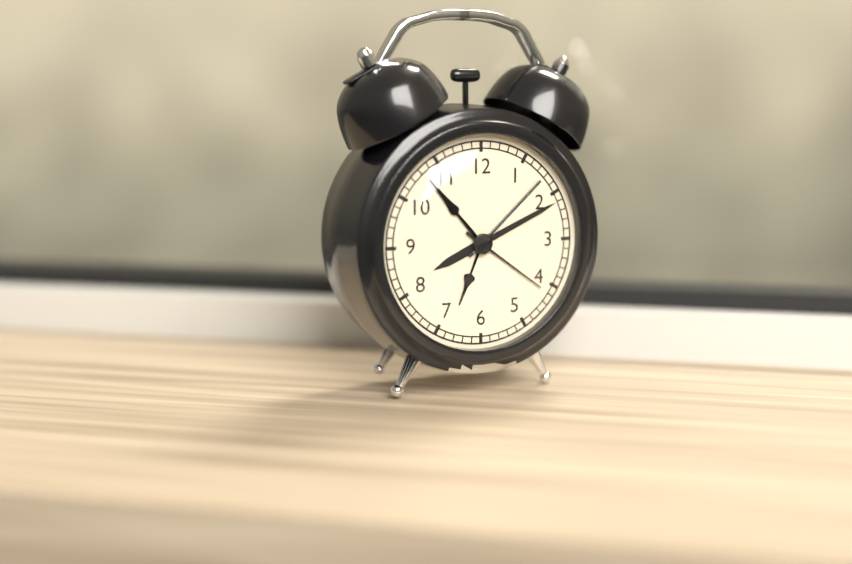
8:11:21
